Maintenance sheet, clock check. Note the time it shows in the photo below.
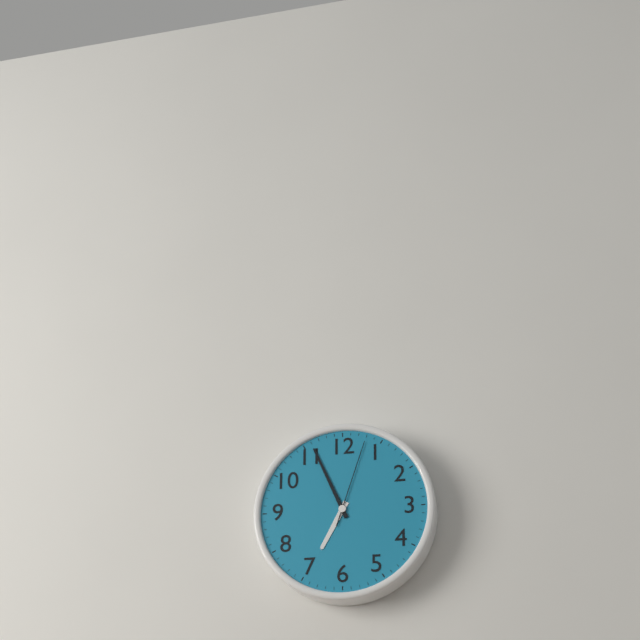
6:56:03
